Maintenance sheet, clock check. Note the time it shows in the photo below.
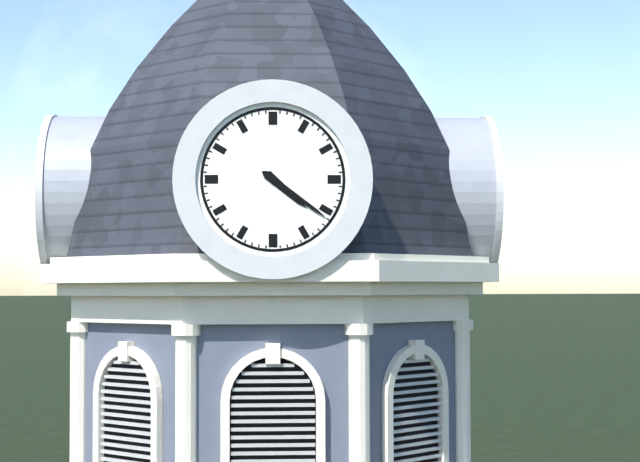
4:21
